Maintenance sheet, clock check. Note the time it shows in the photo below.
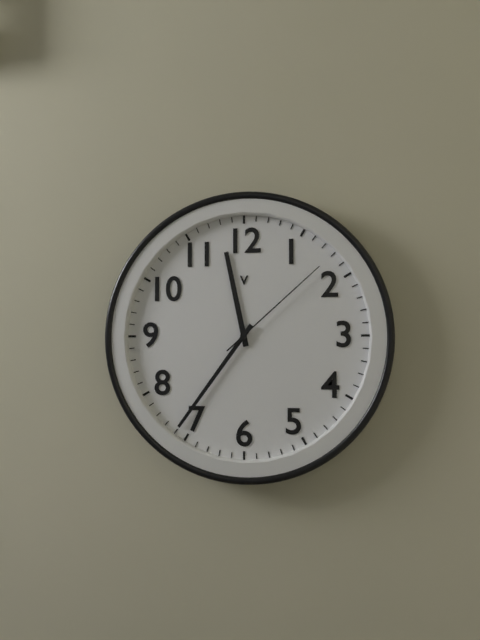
11:36:08
